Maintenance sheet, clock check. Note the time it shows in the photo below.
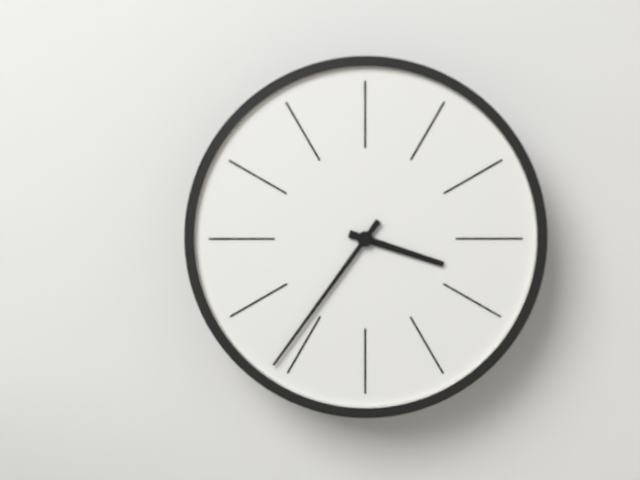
3:36
